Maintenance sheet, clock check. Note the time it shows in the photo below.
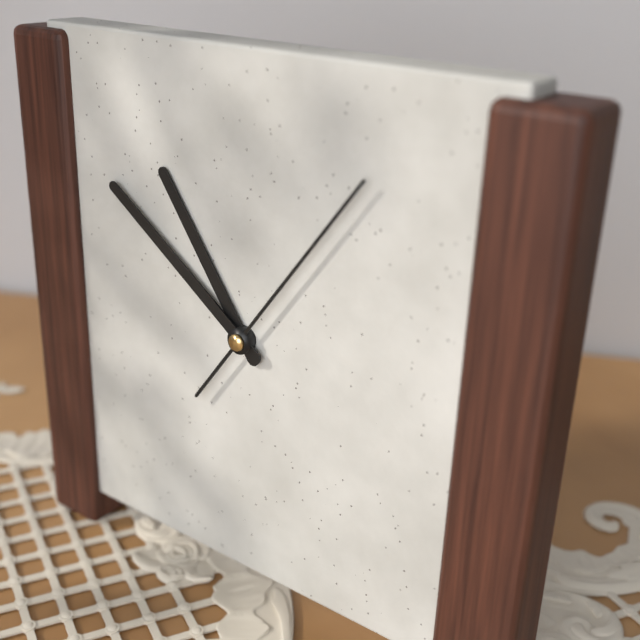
10:51:06
